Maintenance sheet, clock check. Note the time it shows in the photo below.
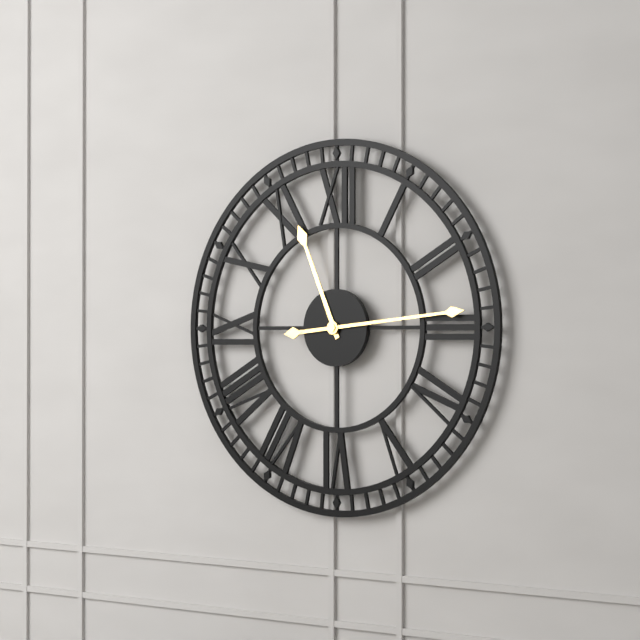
11:14
